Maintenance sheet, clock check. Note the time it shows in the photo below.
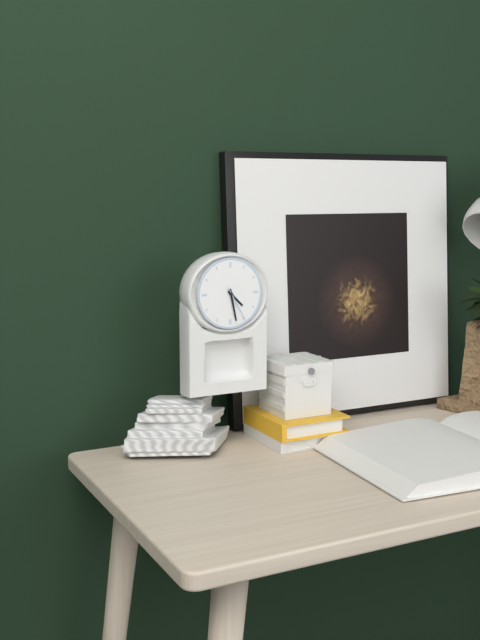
4:28
